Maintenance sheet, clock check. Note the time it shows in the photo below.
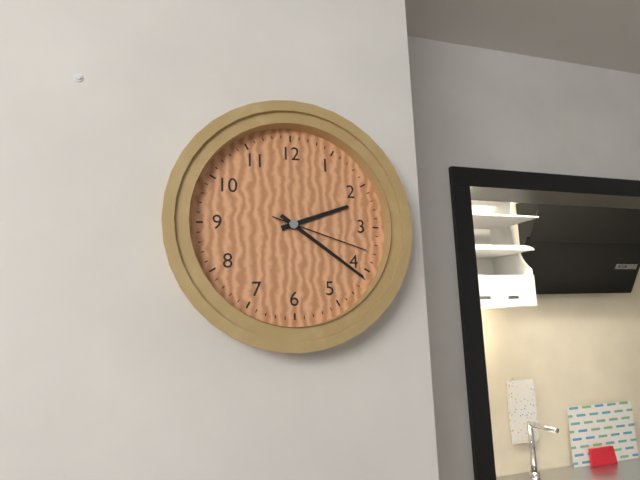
2:21:18
